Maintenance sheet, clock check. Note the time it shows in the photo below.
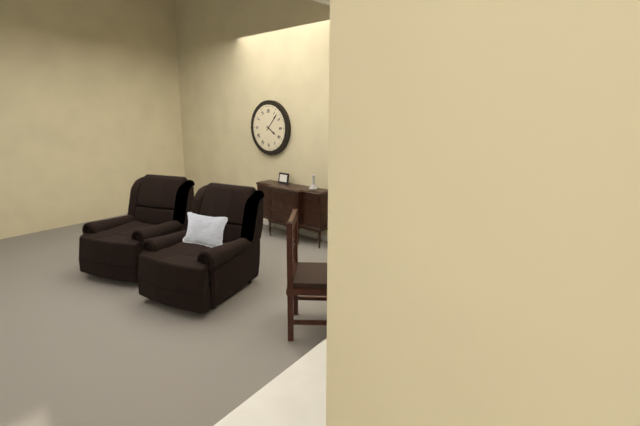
4:07
